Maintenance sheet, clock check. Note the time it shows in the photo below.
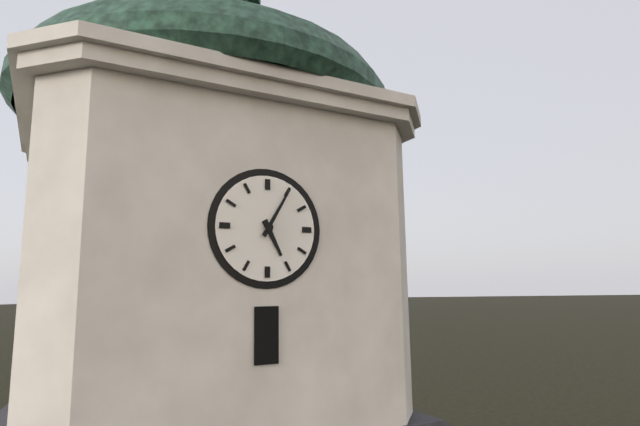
5:05
